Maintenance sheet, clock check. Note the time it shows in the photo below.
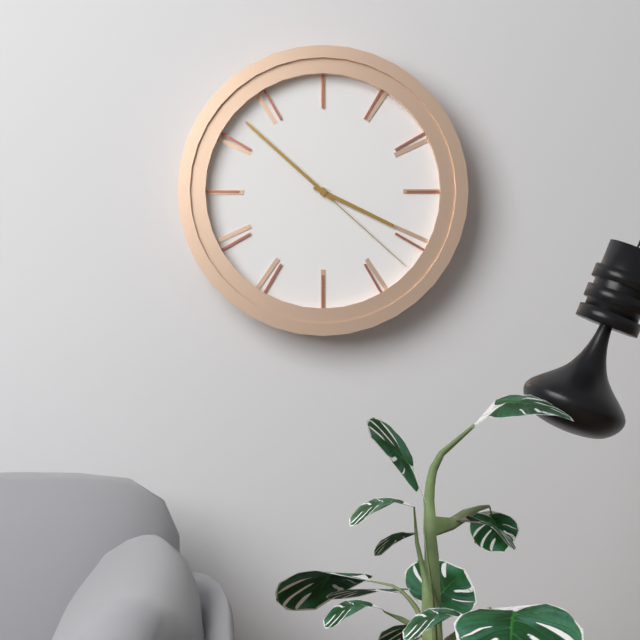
3:52:22
